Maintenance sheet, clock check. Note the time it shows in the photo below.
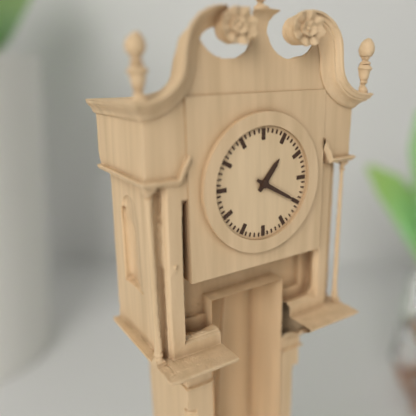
1:20
